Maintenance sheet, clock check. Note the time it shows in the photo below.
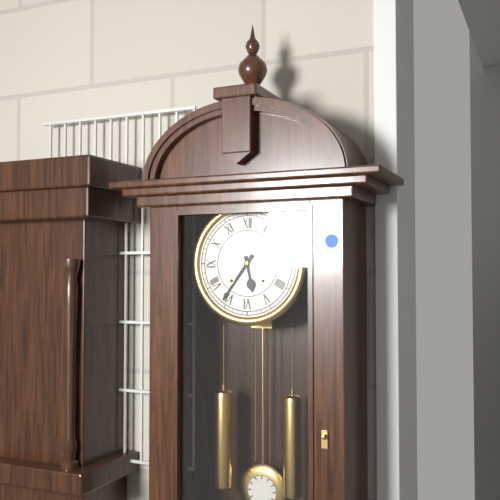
5:36
